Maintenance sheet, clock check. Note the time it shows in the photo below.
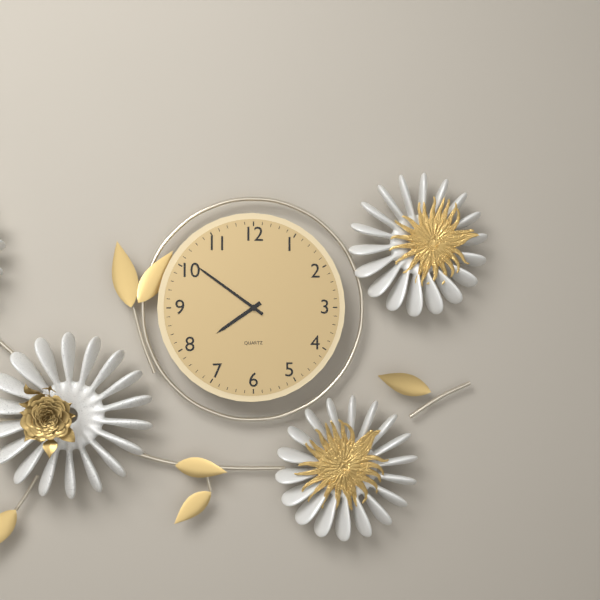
7:51
